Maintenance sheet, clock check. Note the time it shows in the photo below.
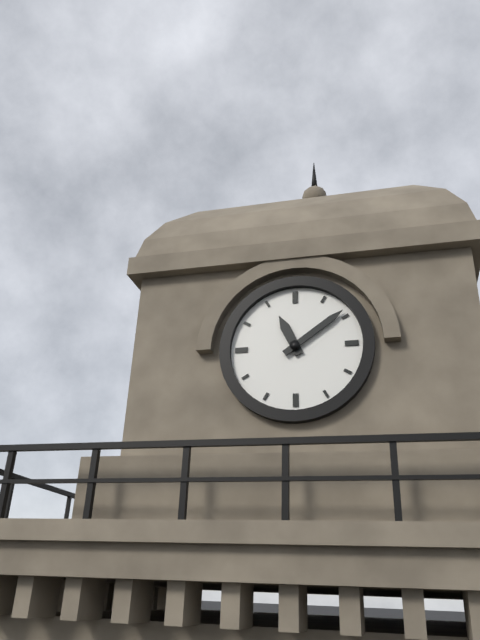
11:09
